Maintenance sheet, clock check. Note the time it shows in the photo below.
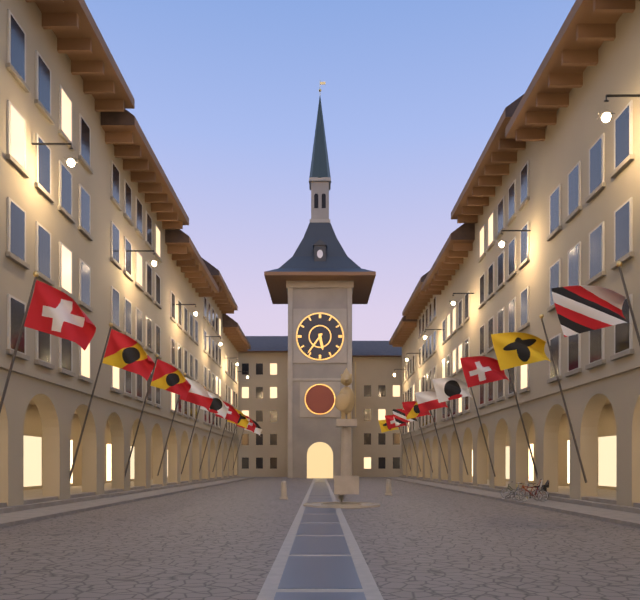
5:36
